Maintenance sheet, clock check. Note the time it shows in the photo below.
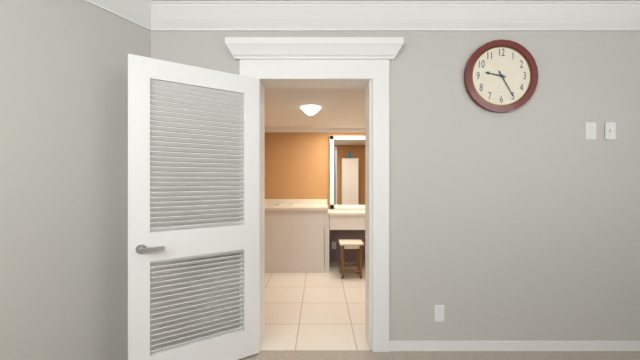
9:25
